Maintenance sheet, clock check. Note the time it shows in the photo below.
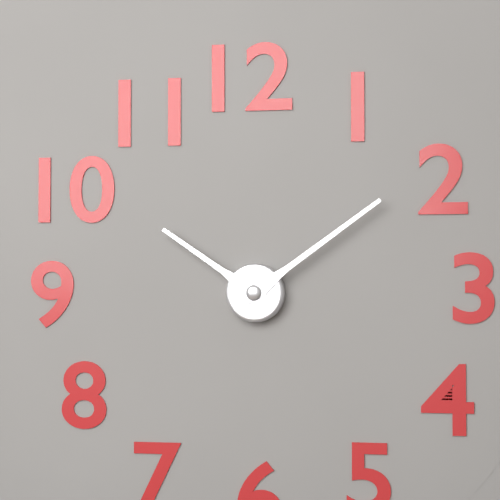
10:09
